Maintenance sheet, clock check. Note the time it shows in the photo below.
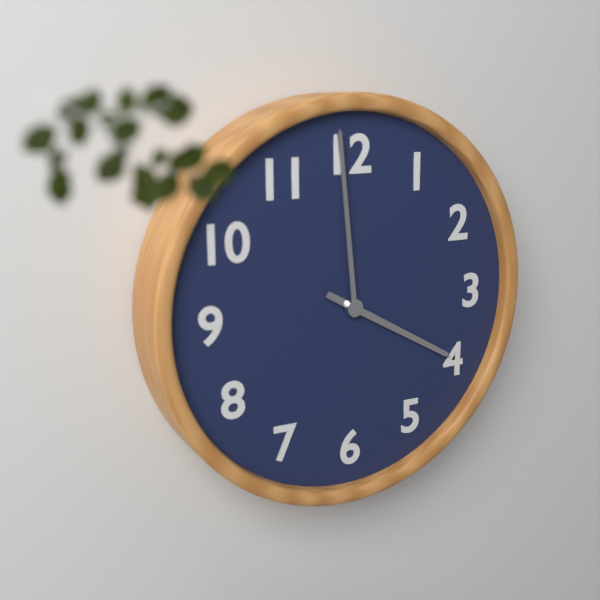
3:59
